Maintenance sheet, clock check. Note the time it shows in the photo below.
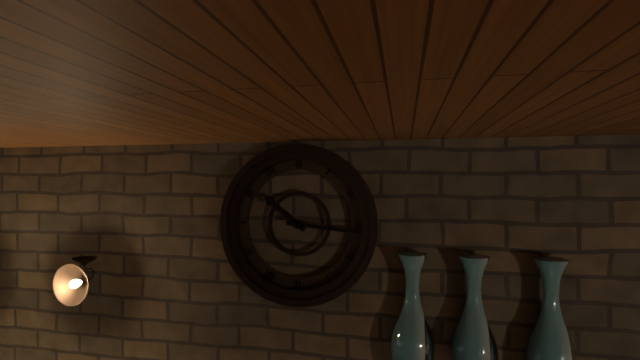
10:16
